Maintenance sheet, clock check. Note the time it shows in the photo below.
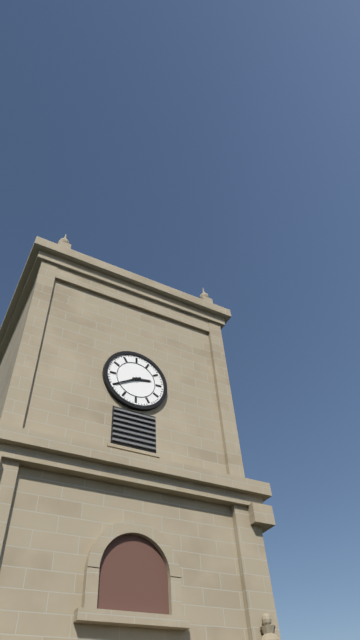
2:40
